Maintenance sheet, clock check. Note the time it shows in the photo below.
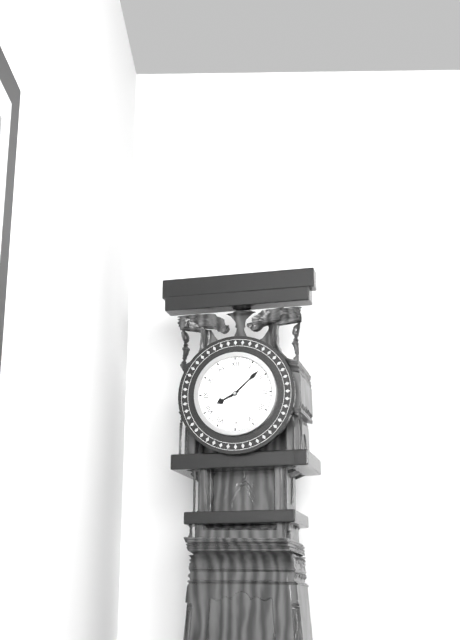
8:08
